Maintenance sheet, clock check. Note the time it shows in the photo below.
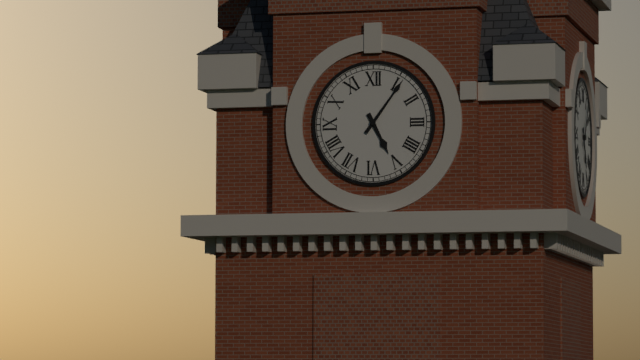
5:06
